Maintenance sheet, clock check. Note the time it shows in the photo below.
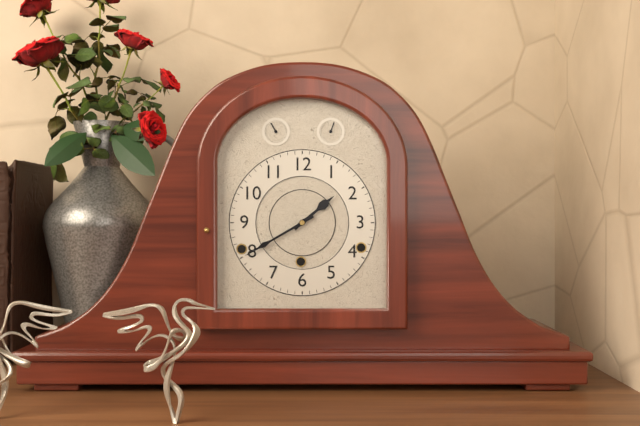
1:40
